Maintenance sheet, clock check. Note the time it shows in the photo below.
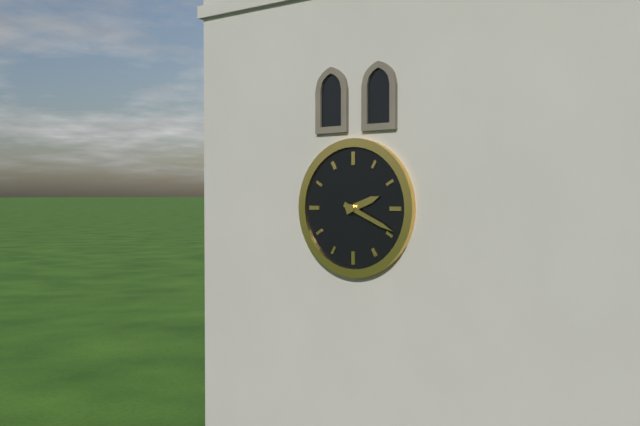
2:19
